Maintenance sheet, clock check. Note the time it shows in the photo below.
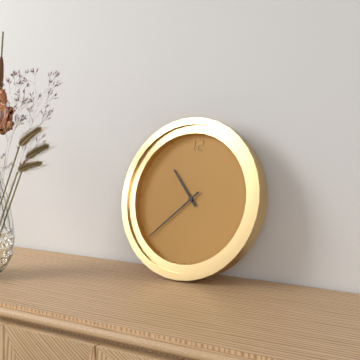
10:38
